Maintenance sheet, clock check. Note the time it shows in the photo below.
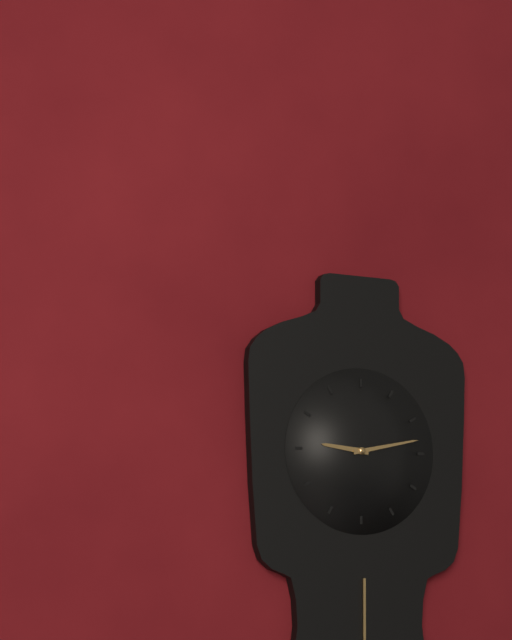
9:13
